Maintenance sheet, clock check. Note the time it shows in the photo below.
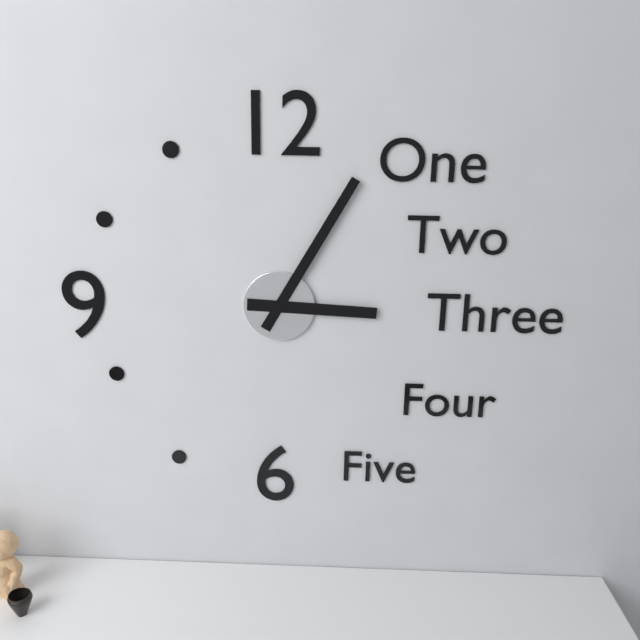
3:05
